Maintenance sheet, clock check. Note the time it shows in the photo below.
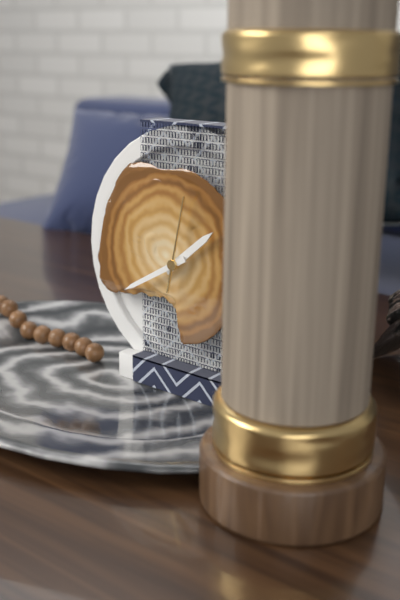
1:40:02
